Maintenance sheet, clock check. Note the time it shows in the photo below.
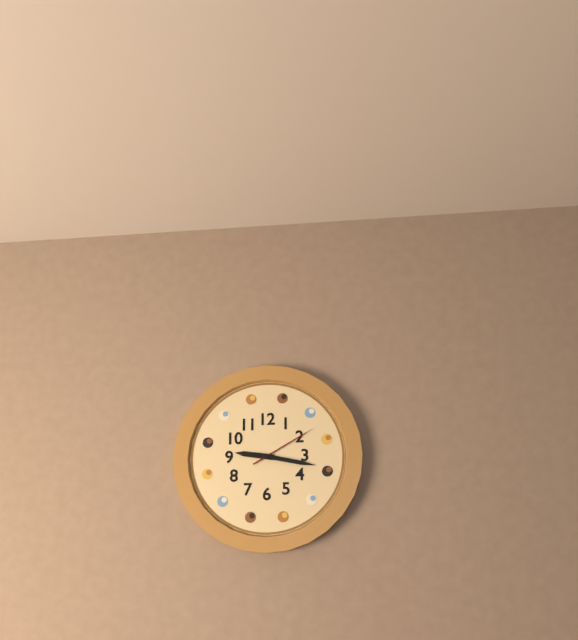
9:17:10
